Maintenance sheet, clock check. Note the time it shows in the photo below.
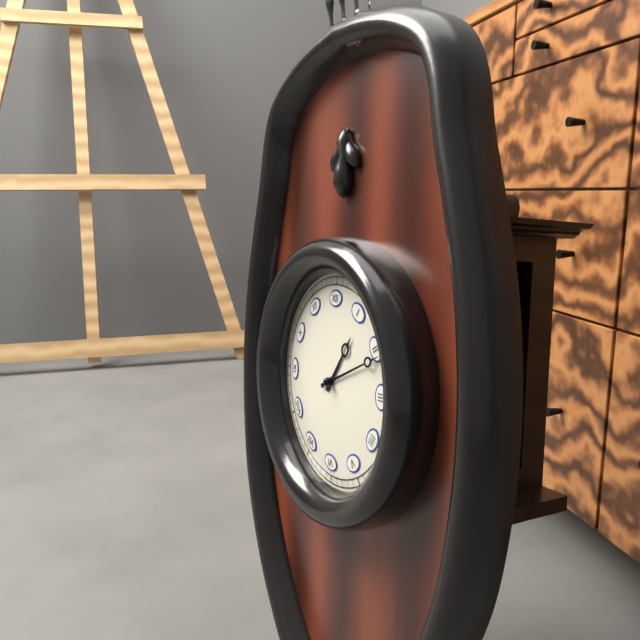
1:11
